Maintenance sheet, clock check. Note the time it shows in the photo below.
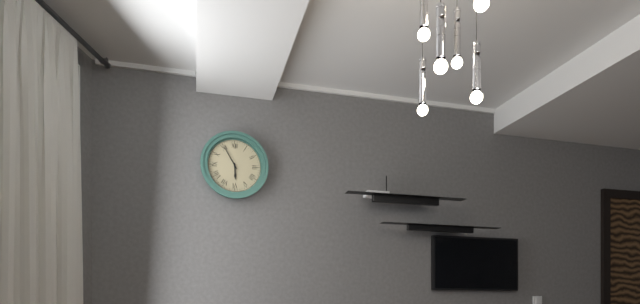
5:55
